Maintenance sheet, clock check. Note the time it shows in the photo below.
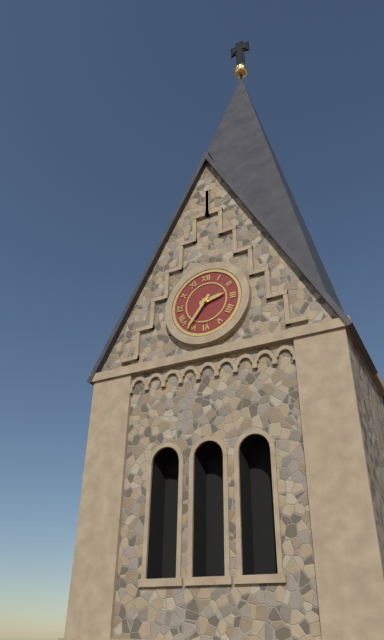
2:36
